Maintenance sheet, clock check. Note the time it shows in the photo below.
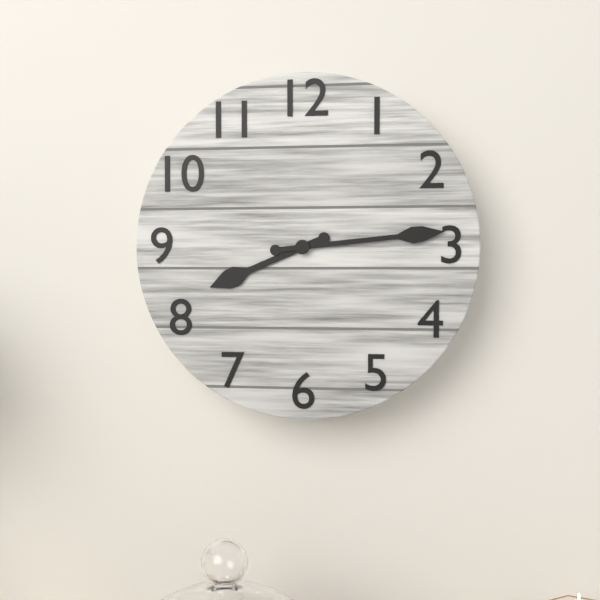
8:14
